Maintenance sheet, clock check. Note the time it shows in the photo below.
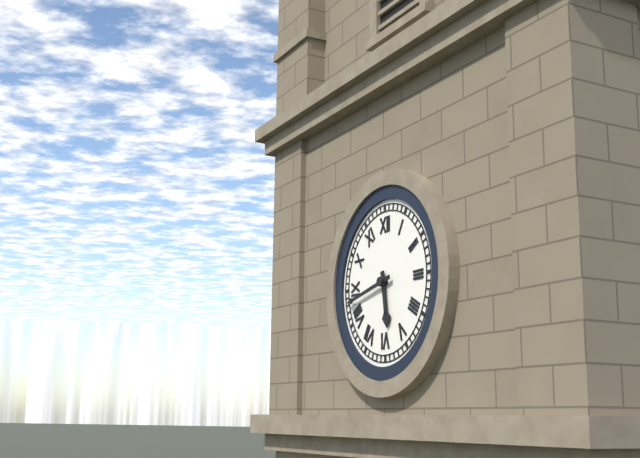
5:43
